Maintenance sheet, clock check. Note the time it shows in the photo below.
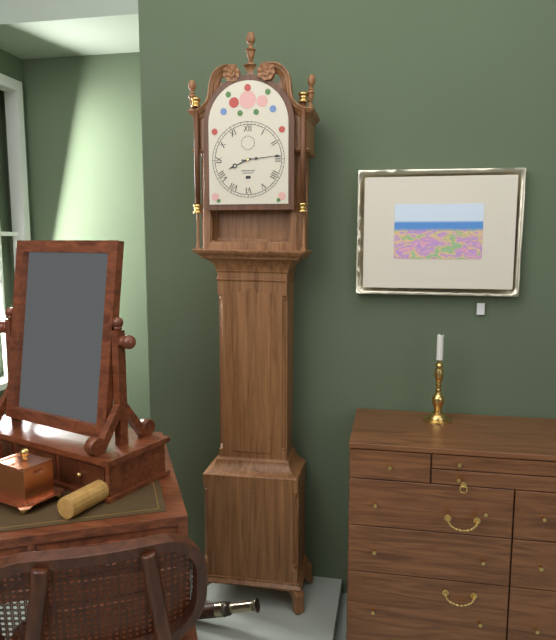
8:14
